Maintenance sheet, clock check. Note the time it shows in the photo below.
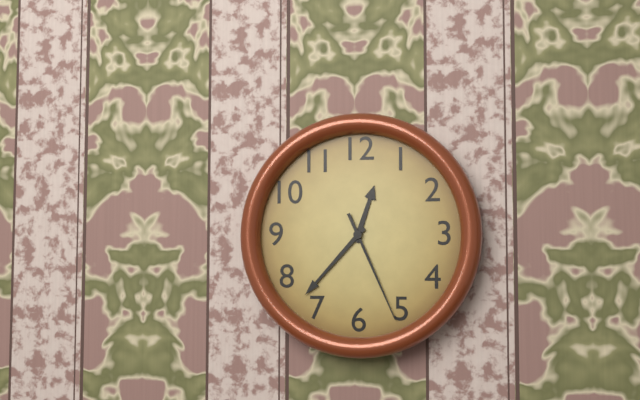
12:37:26
